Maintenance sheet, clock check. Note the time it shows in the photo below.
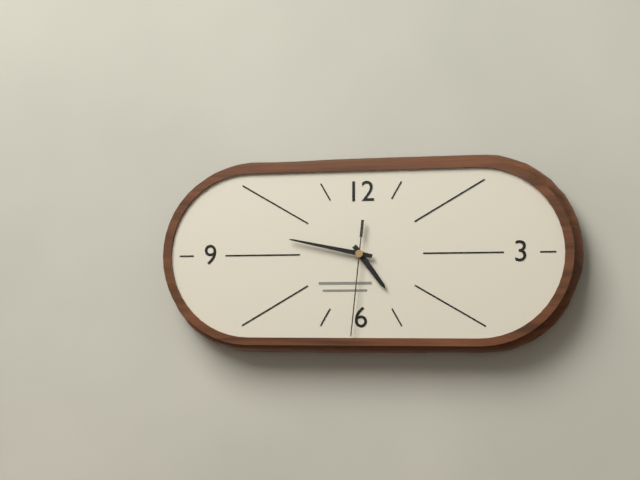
4:47:31
